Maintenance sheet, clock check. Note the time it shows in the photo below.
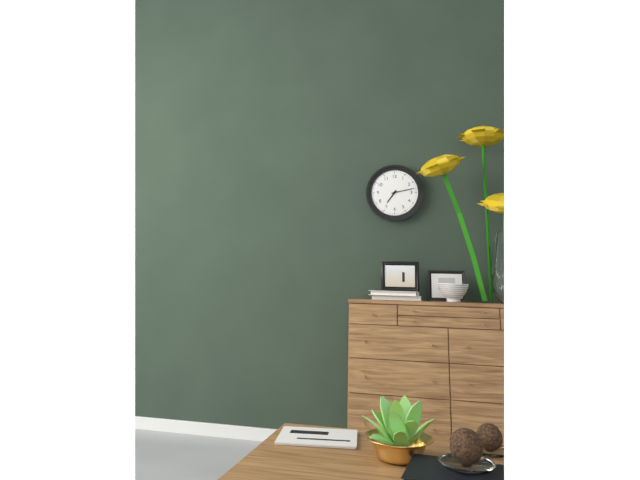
7:13
